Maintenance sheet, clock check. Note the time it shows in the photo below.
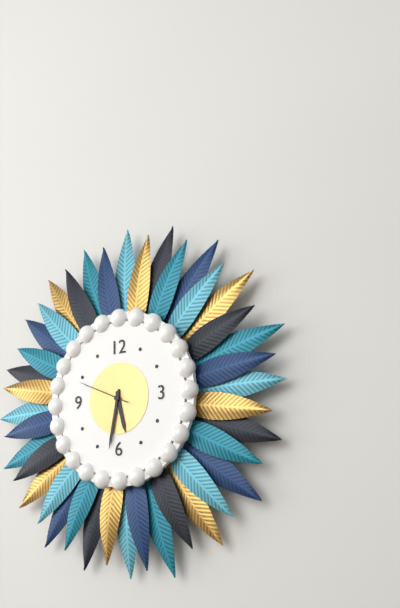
5:32:49
